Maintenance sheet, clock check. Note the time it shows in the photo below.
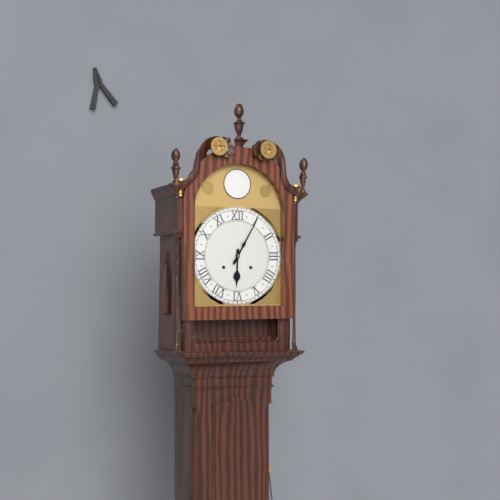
6:05
